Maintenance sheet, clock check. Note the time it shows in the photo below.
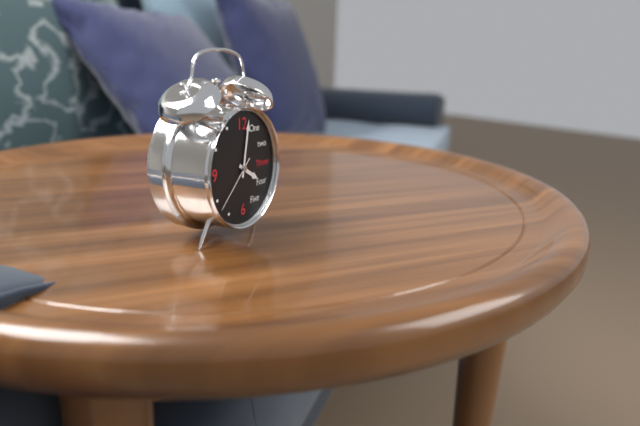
4:02:38
